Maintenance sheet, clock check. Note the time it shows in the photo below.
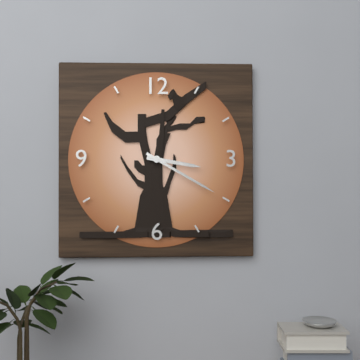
3:20
